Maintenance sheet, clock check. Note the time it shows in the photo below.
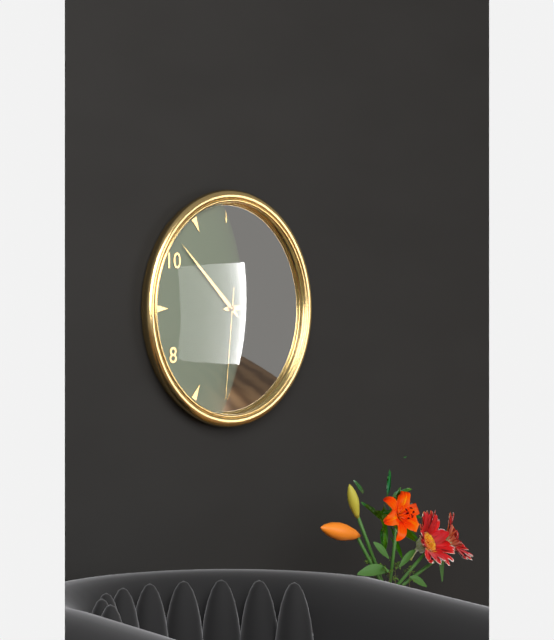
2:52:31
